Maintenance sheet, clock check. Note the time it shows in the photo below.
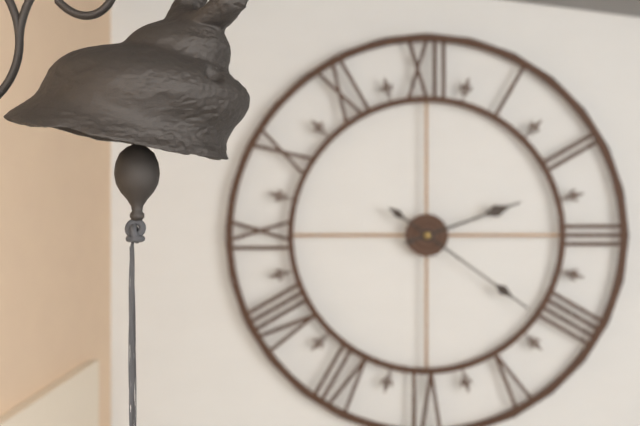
2:21
